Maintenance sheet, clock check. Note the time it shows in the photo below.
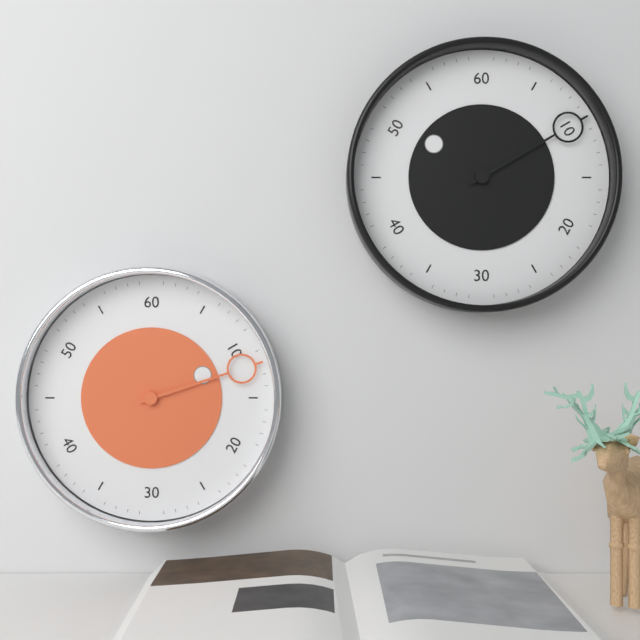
2:12
